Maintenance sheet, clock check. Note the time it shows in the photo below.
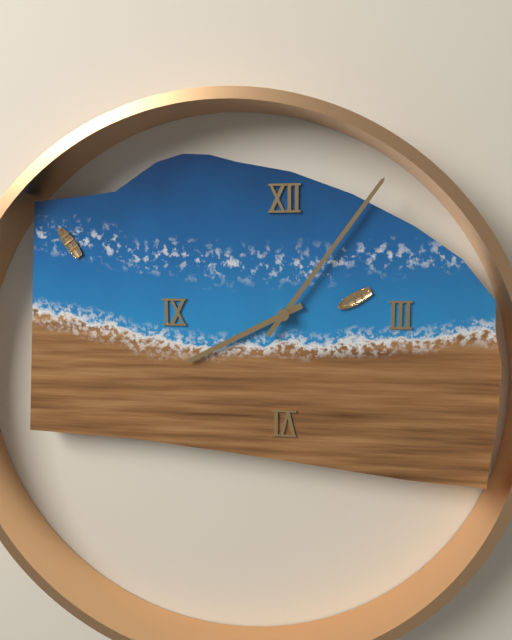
8:06
